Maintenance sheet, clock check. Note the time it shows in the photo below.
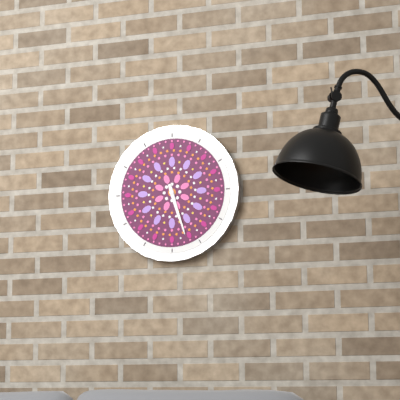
5:27
